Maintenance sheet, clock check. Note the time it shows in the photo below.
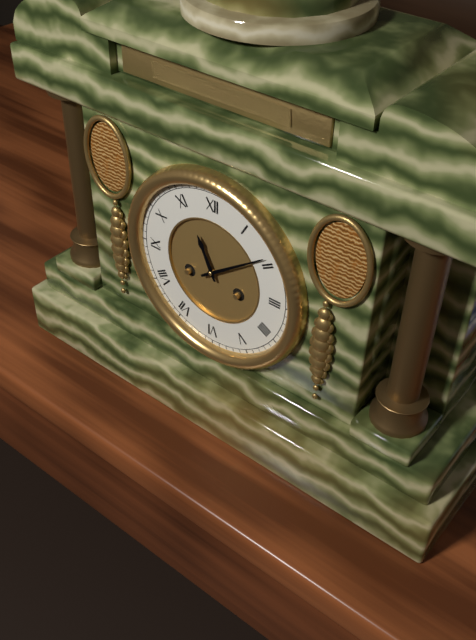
11:09
